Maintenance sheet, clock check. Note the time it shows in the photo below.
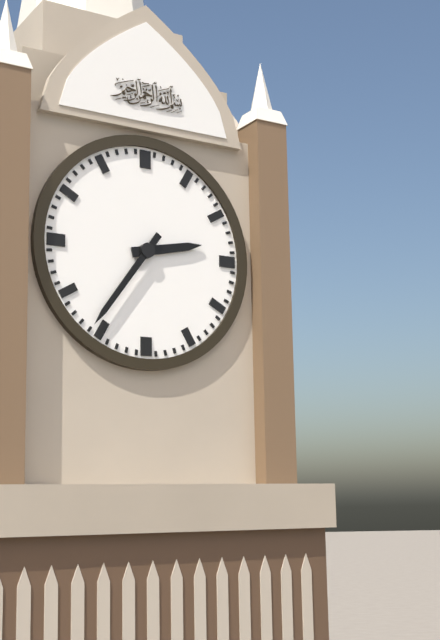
2:36
